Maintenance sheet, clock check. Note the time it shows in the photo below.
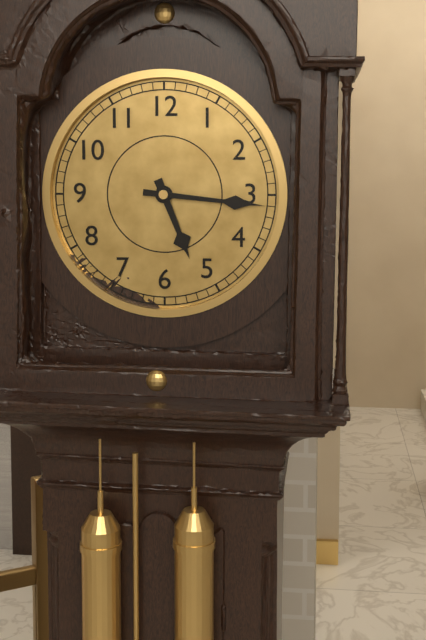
5:16
